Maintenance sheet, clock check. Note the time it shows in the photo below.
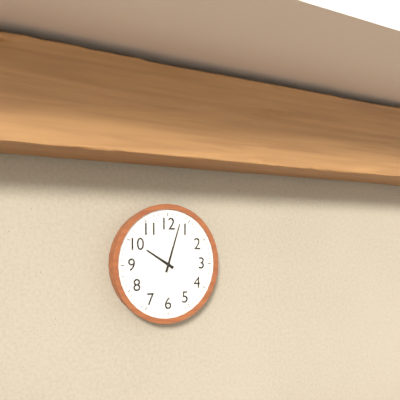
10:03
